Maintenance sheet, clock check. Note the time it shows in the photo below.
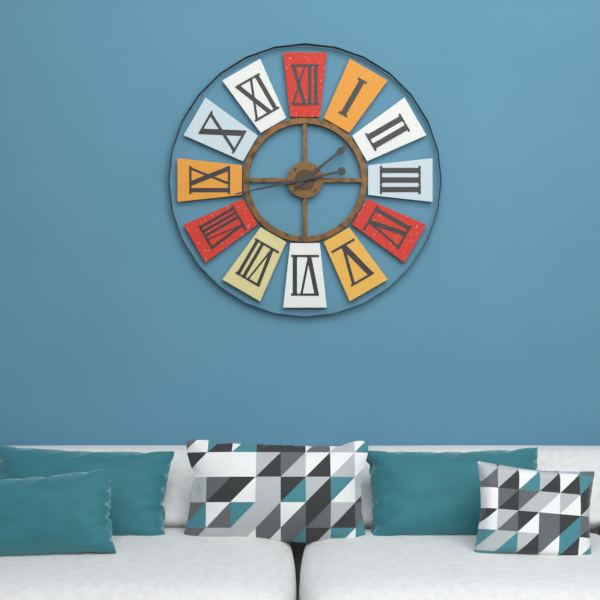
1:43
